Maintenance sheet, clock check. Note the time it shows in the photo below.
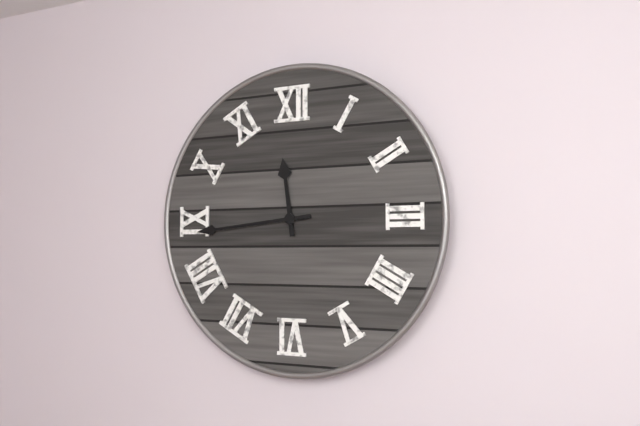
11:44
